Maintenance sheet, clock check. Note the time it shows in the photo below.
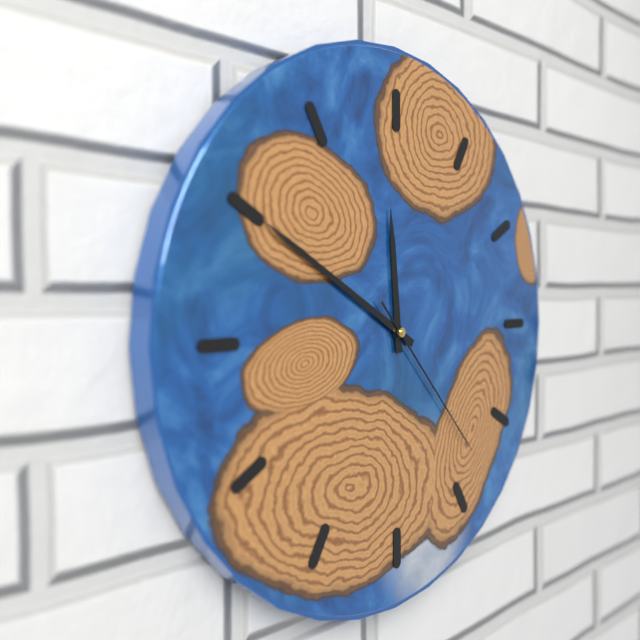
11:50:23
